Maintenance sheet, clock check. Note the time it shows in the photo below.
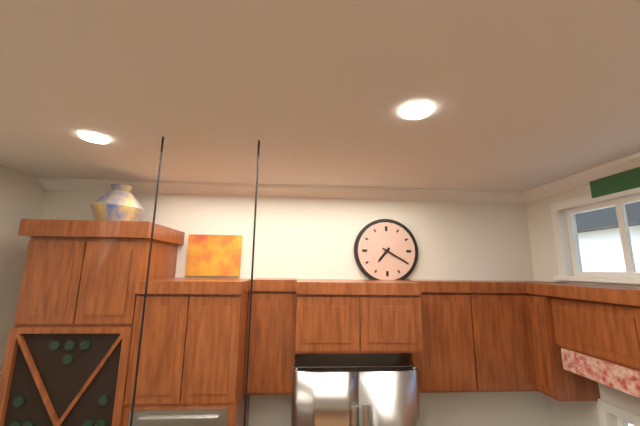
7:20
